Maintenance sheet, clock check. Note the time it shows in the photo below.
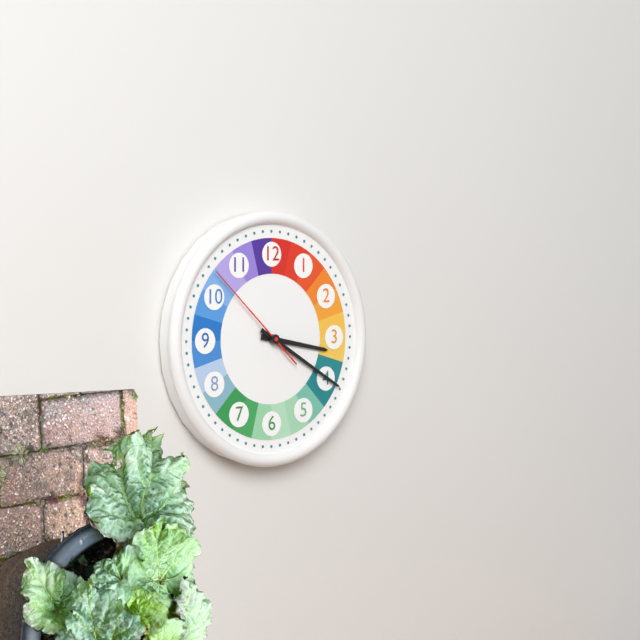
3:20:52
